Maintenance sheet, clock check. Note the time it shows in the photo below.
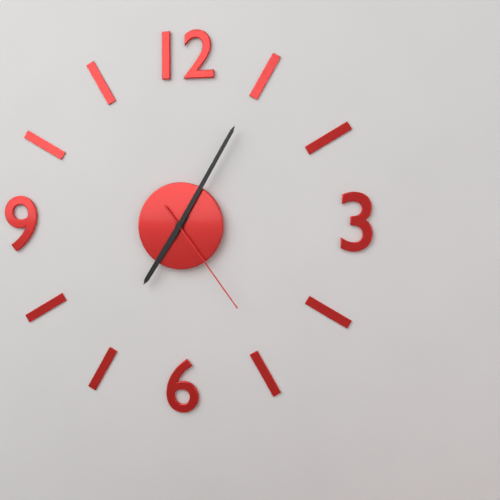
7:05:24
